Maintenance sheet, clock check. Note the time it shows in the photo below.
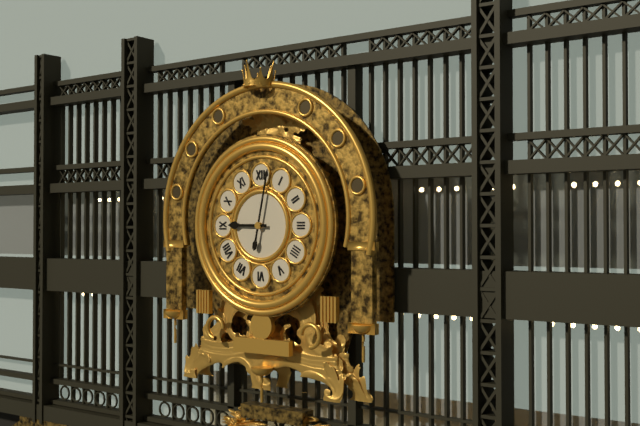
9:02
